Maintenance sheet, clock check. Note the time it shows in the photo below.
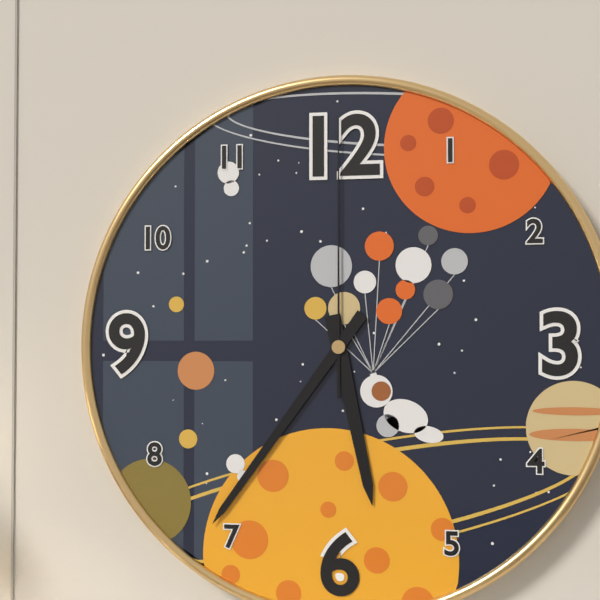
5:36:00
